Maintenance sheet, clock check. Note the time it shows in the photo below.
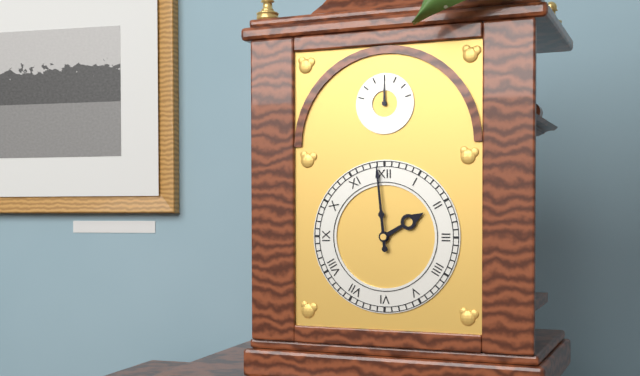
1:59
